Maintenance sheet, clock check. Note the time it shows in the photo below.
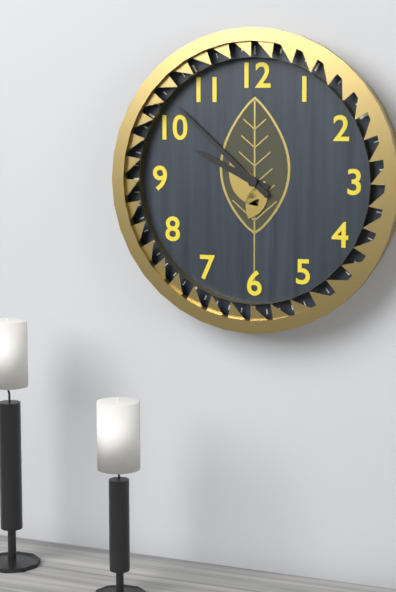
9:52
